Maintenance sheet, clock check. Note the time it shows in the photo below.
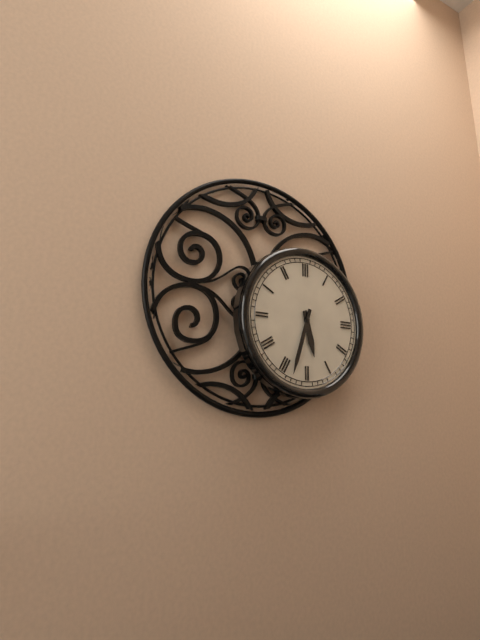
5:33
